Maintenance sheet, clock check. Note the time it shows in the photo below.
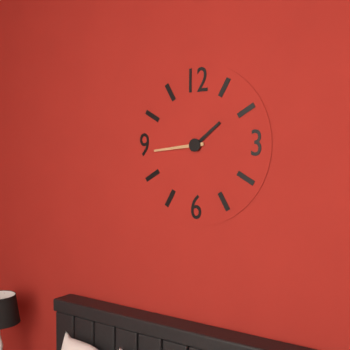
1:44
